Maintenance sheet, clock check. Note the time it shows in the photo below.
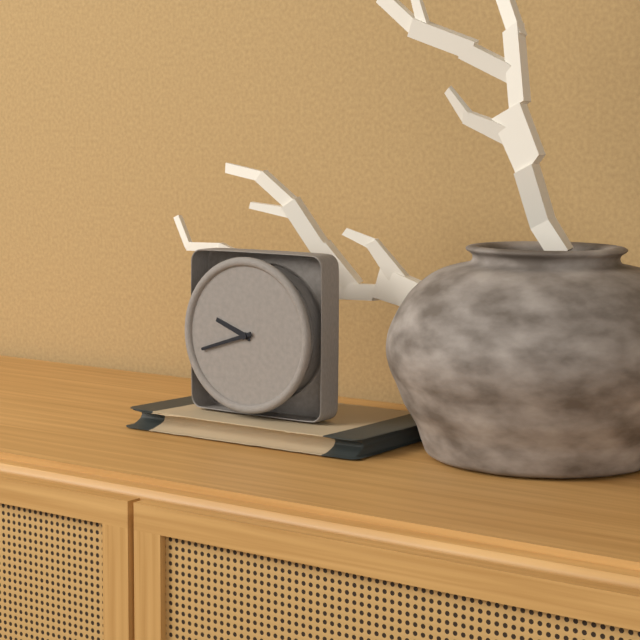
9:42
